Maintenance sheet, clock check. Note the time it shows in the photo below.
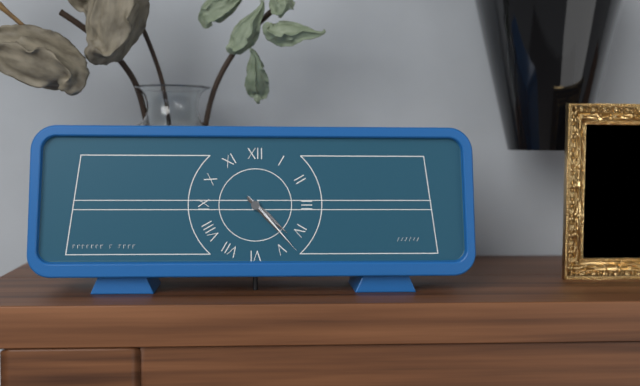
4:23
